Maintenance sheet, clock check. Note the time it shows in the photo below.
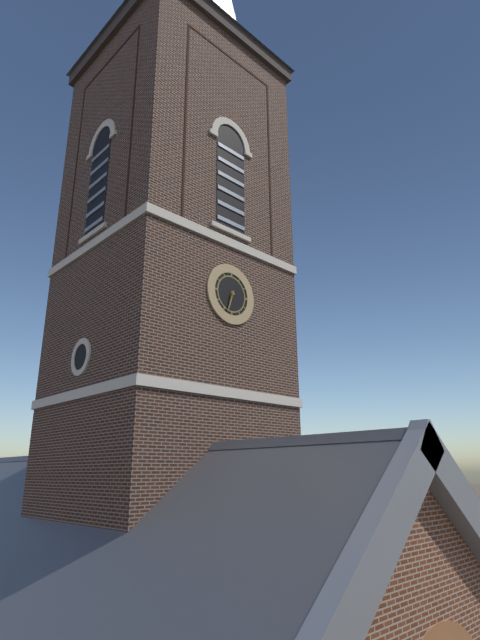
6:33
